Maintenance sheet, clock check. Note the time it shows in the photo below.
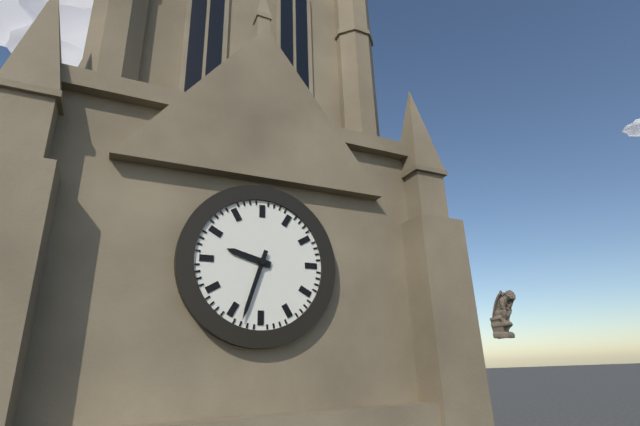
9:33
